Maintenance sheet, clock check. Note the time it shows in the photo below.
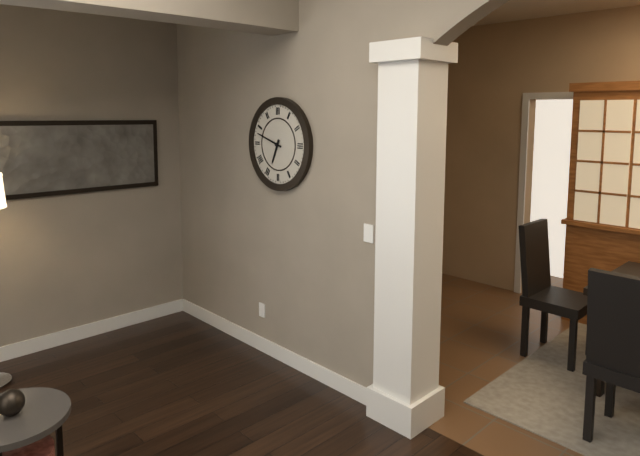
6:48
